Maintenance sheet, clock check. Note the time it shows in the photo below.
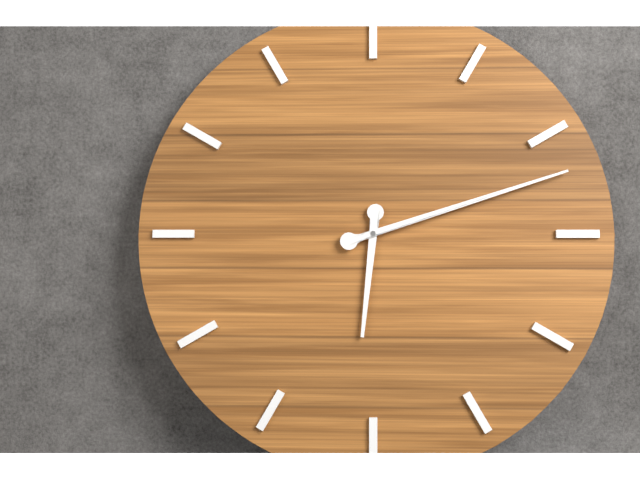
6:12
